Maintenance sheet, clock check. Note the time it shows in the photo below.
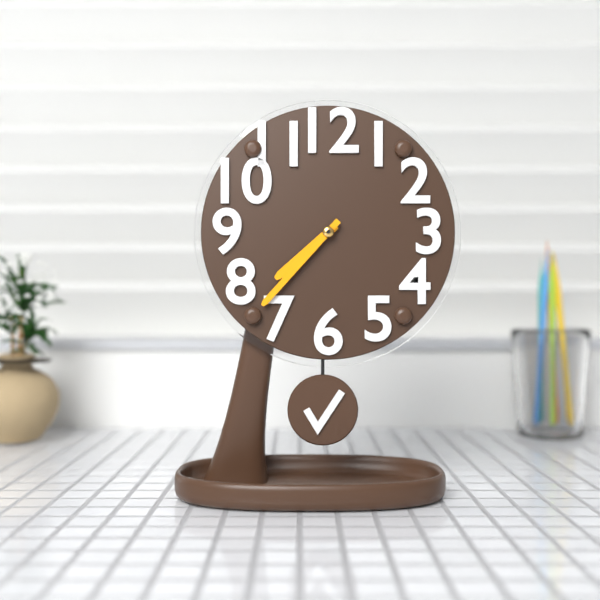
7:37
